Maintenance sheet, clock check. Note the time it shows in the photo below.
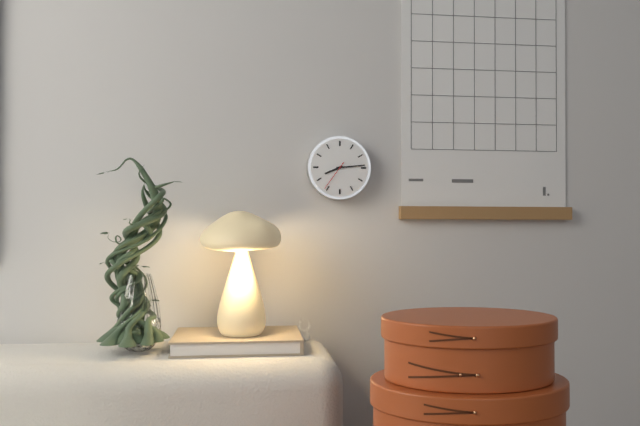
8:14
